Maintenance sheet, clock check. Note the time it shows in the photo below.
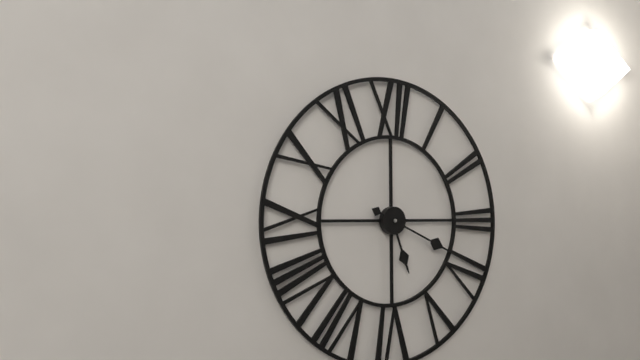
5:19
